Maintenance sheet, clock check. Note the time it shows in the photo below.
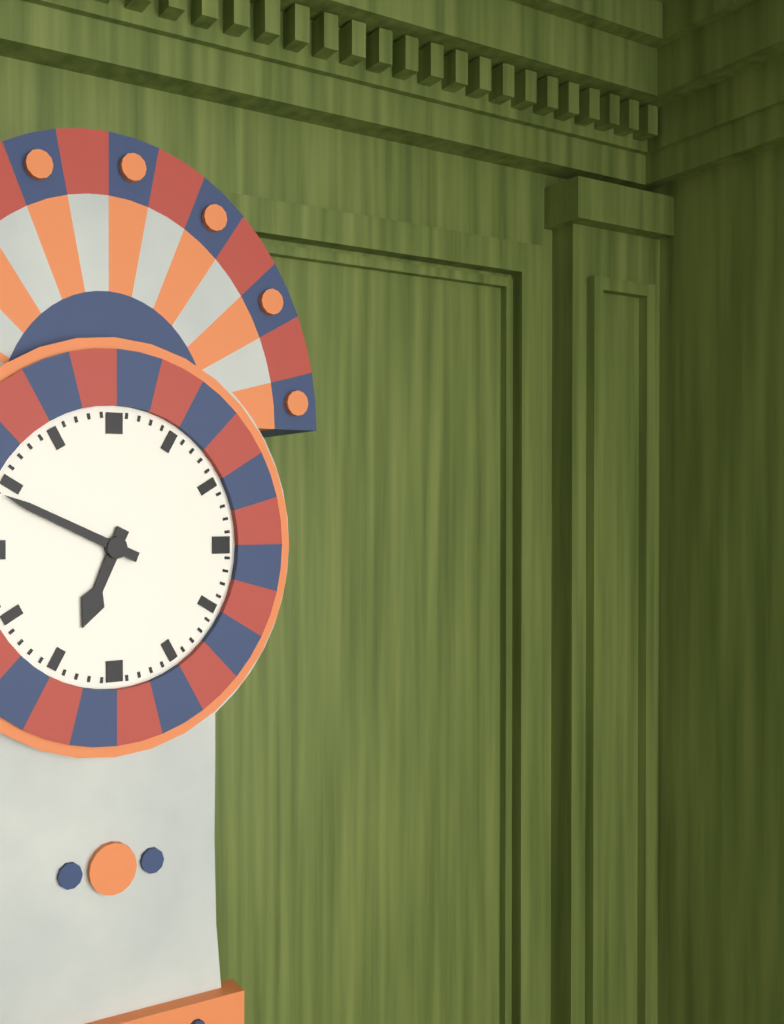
6:49
